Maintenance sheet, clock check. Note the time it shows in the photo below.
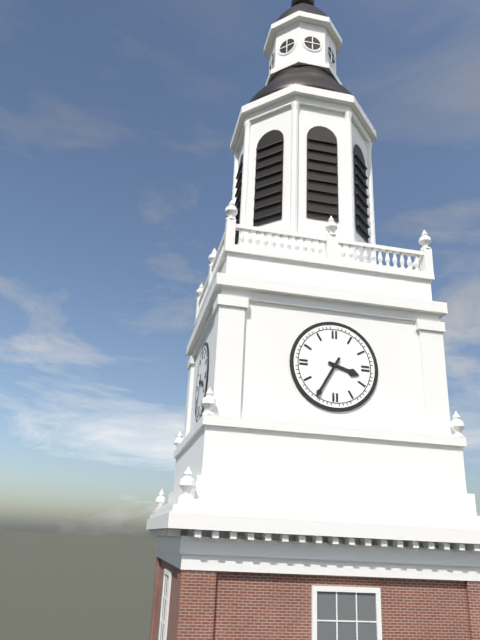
3:35
